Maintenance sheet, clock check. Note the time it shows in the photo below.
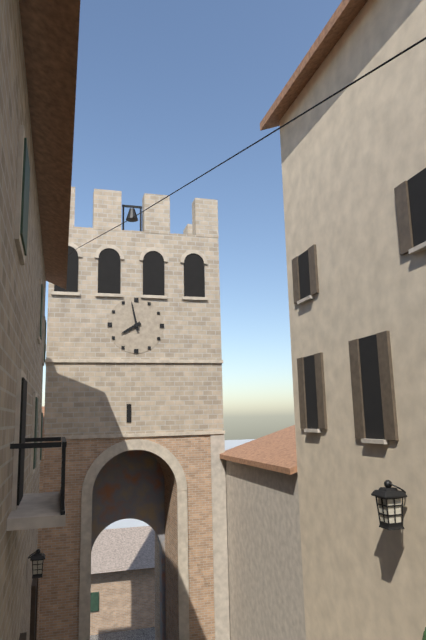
7:58
